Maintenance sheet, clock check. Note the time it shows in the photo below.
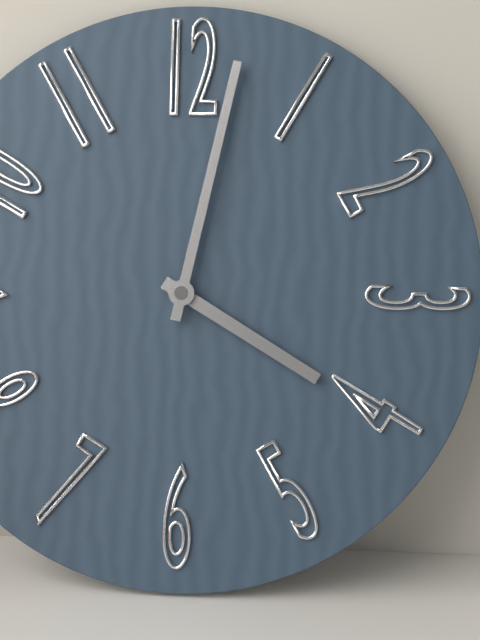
4:02
